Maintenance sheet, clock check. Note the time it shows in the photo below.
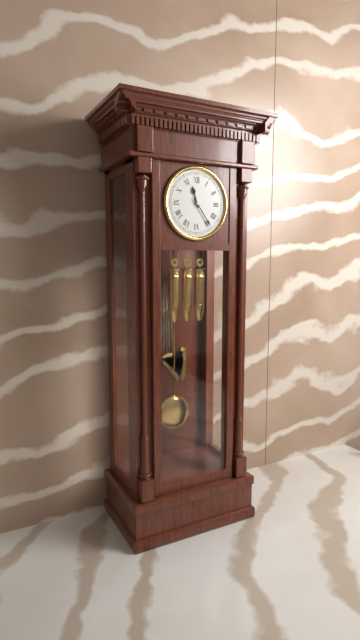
11:24
